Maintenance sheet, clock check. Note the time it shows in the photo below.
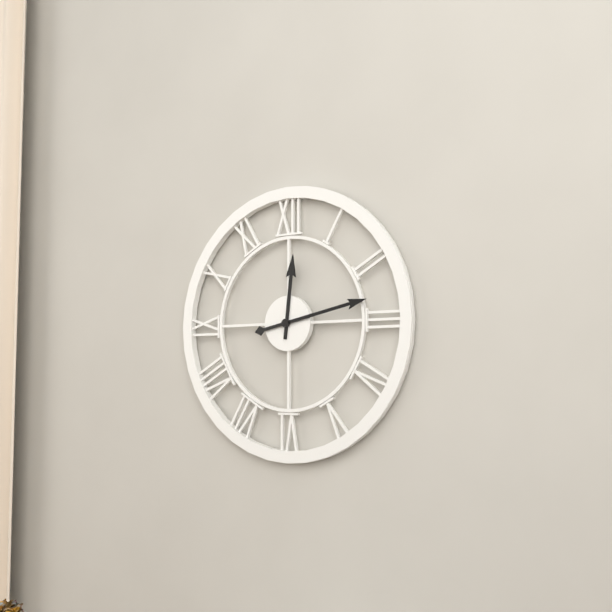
12:13
